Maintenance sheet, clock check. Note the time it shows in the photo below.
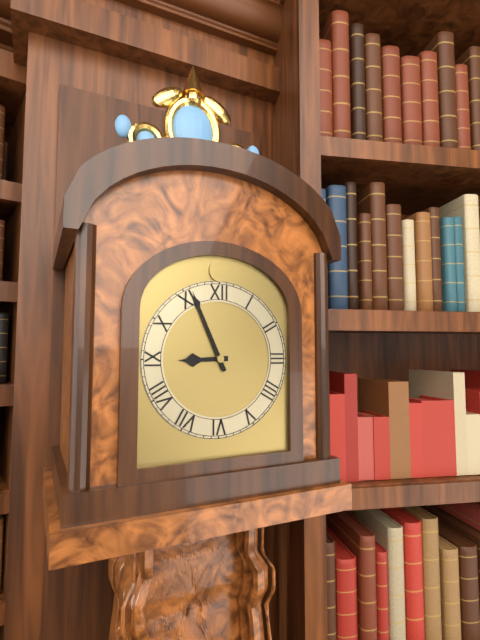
8:56
